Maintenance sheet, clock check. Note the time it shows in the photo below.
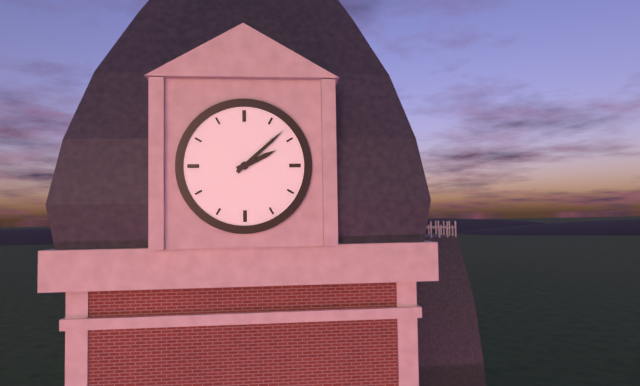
2:08
